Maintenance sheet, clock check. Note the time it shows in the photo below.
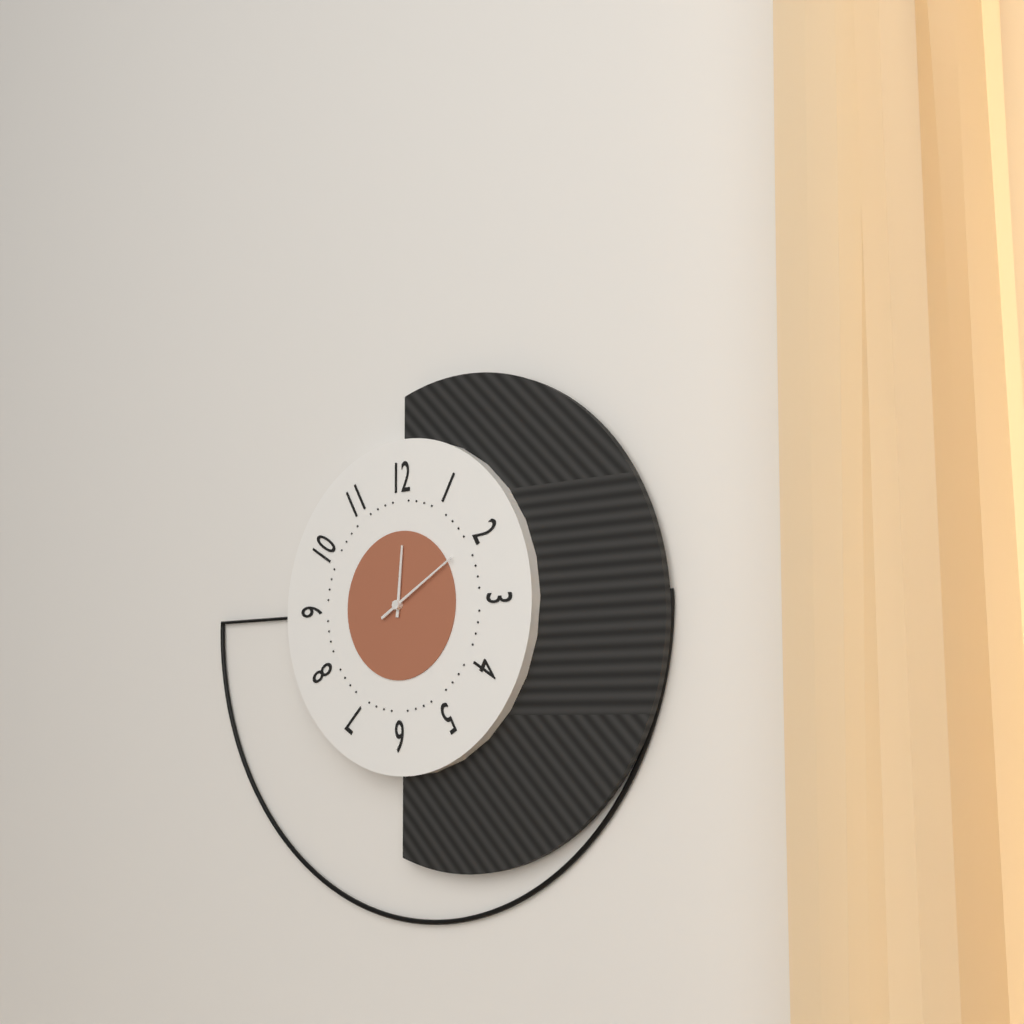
12:10
